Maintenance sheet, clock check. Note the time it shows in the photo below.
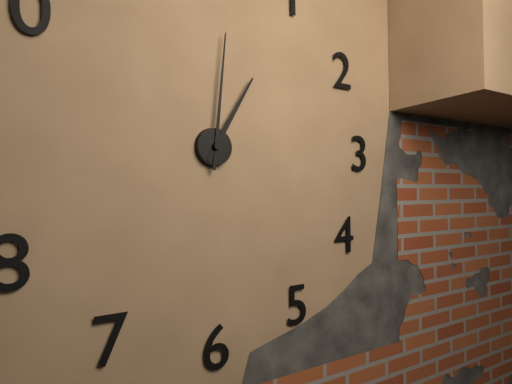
1:01
